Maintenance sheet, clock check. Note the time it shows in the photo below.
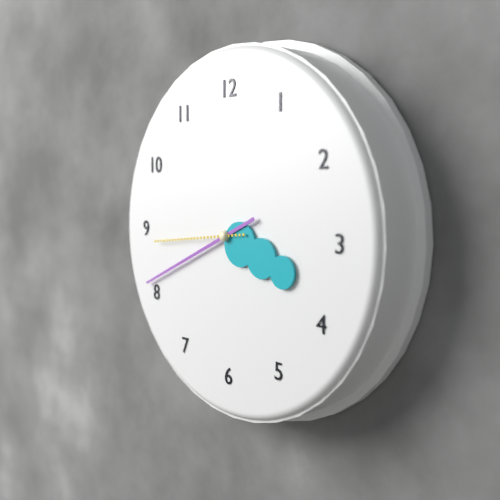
3:41:44
